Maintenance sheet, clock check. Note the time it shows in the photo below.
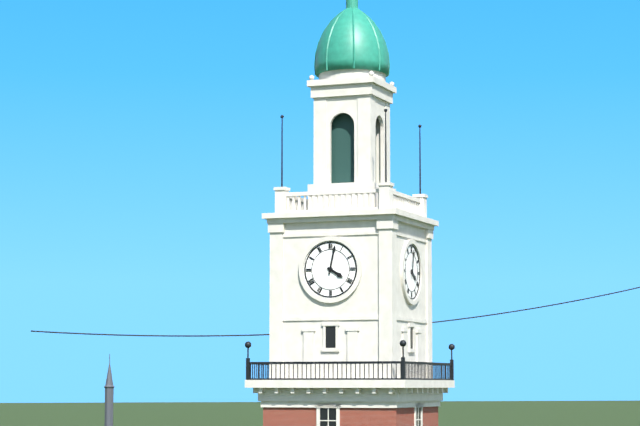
4:02
